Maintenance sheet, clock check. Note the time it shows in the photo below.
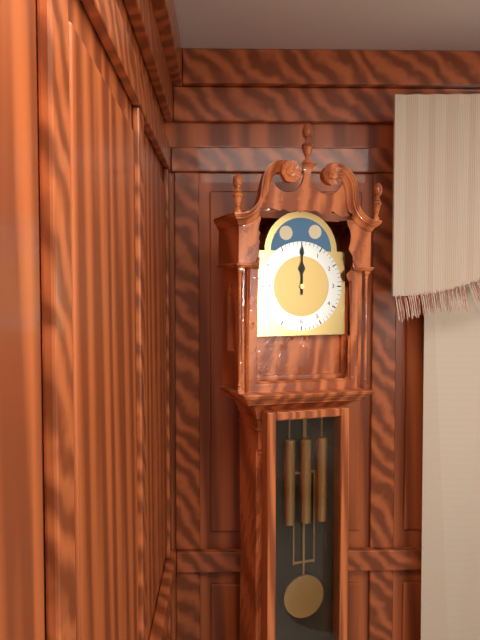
12:00
